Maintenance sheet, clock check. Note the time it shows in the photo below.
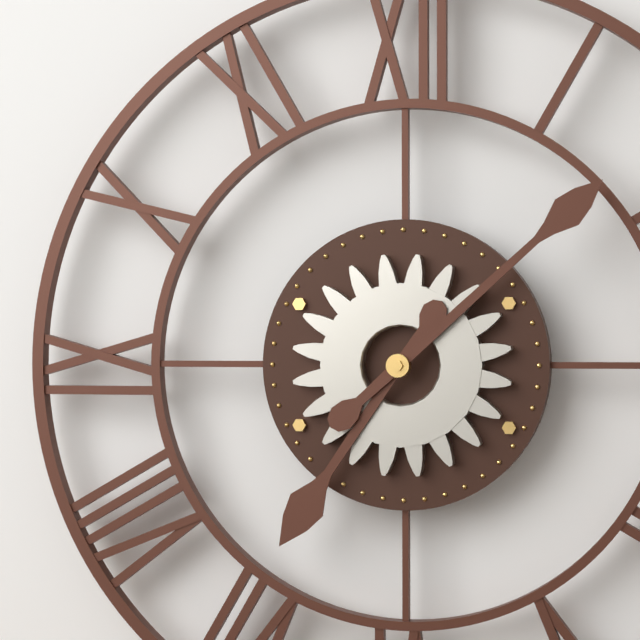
7:08
